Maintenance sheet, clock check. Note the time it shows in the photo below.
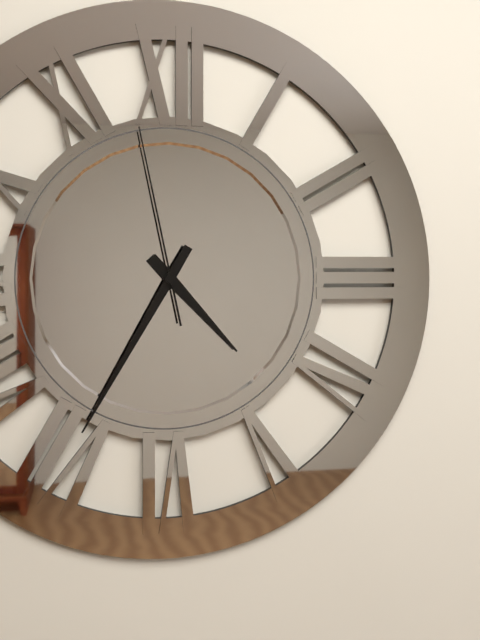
4:35:58
